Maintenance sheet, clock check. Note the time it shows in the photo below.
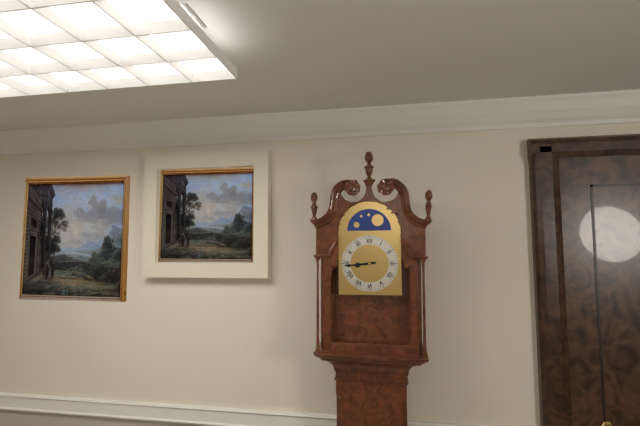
8:44
